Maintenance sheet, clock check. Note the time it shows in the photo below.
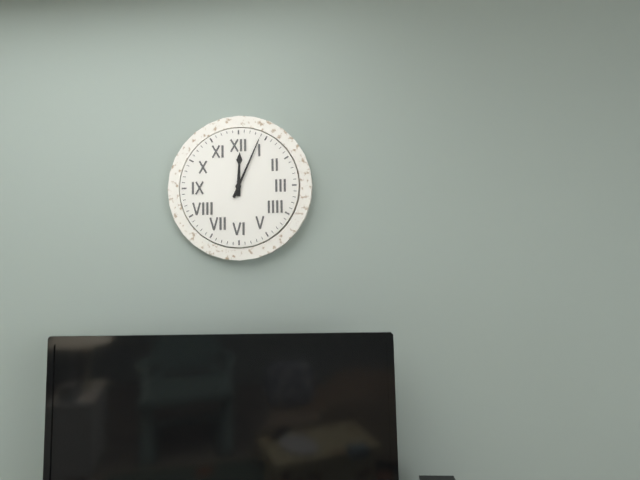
12:04
